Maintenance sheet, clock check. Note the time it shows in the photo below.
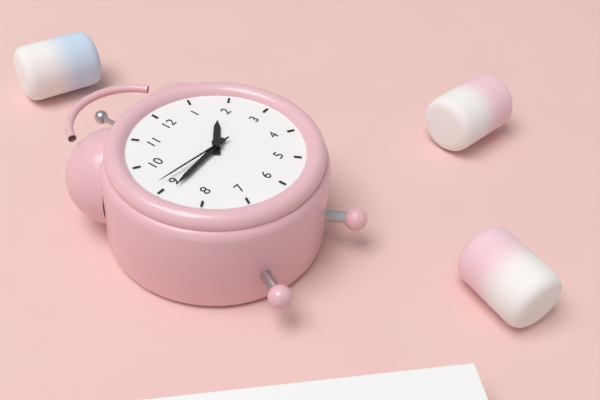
1:44:46
